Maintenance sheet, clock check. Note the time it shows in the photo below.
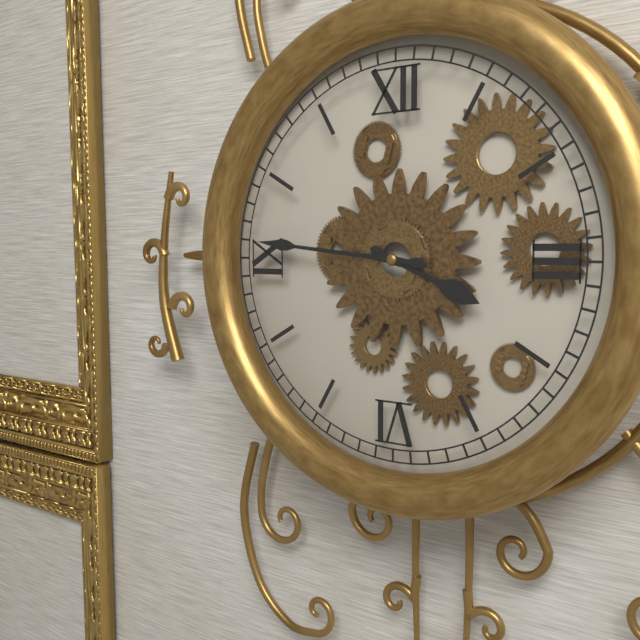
3:46
